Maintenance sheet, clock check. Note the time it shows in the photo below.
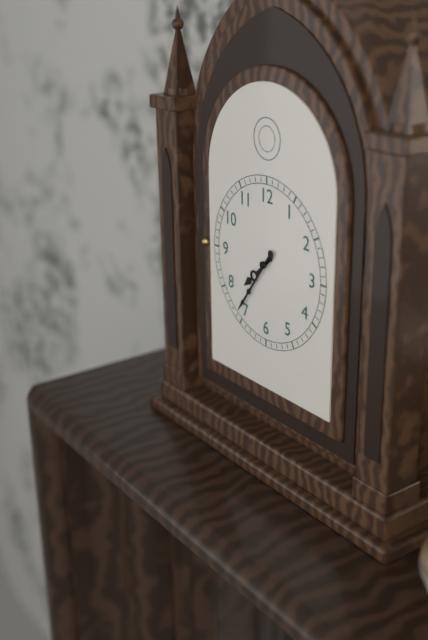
7:36
